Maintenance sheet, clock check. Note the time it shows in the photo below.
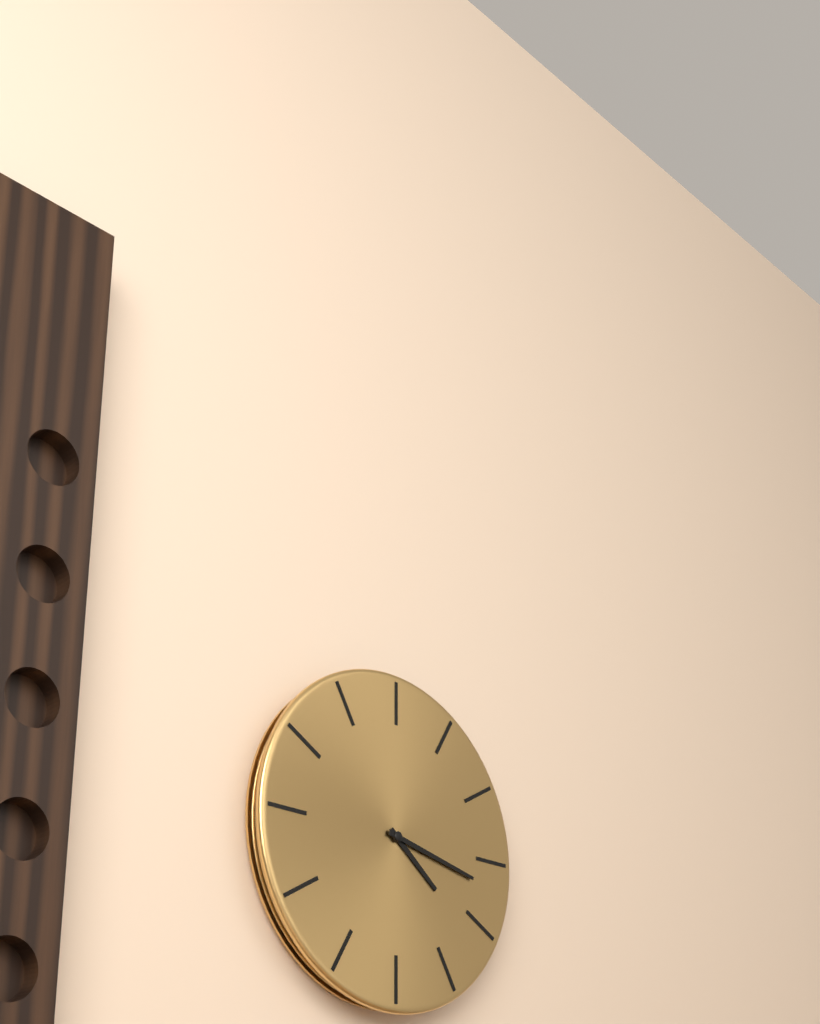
4:17
